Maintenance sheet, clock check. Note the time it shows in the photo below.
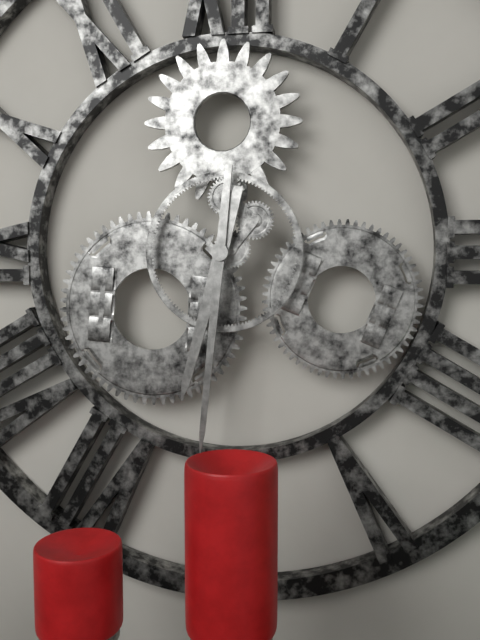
6:31
